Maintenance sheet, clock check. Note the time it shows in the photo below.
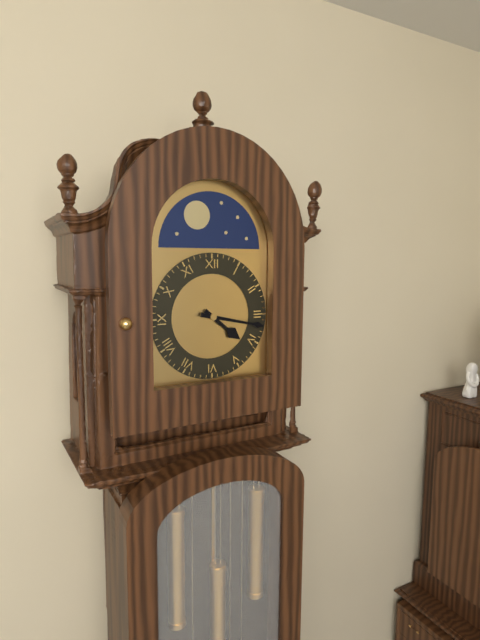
4:17
